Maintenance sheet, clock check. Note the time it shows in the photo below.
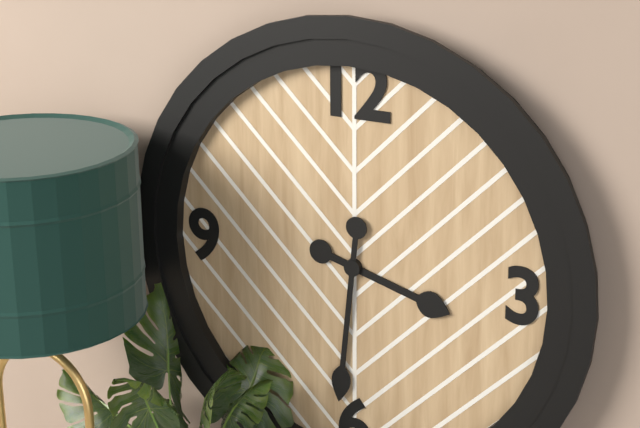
3:31
